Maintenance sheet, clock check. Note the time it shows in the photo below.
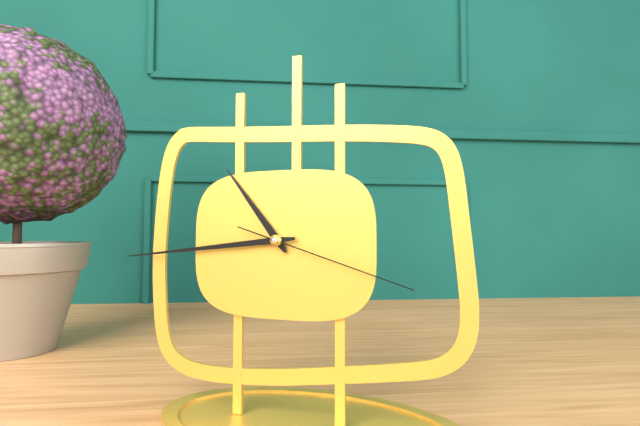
10:44:18
